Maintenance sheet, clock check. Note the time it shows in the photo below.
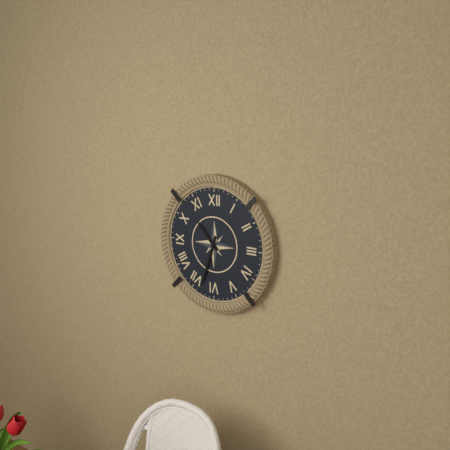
10:33
